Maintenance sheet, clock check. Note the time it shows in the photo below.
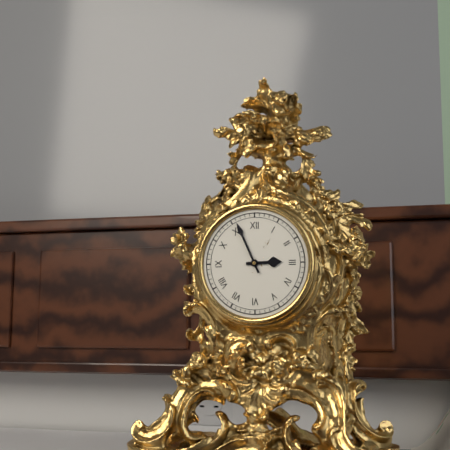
2:56
